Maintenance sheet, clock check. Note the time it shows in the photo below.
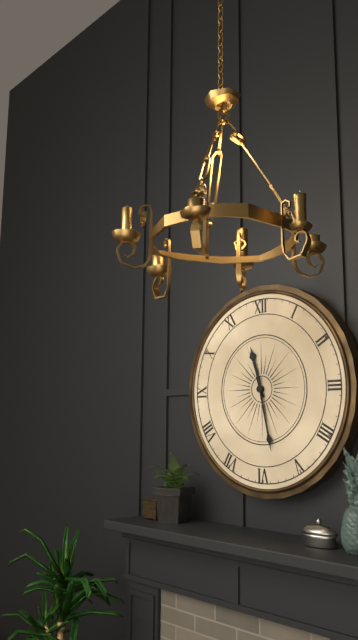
11:28
